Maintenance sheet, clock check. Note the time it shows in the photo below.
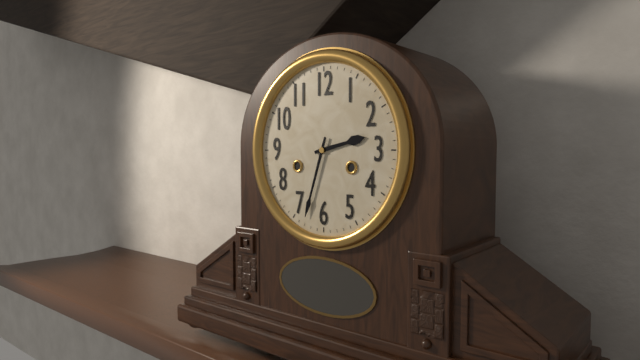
2:33
